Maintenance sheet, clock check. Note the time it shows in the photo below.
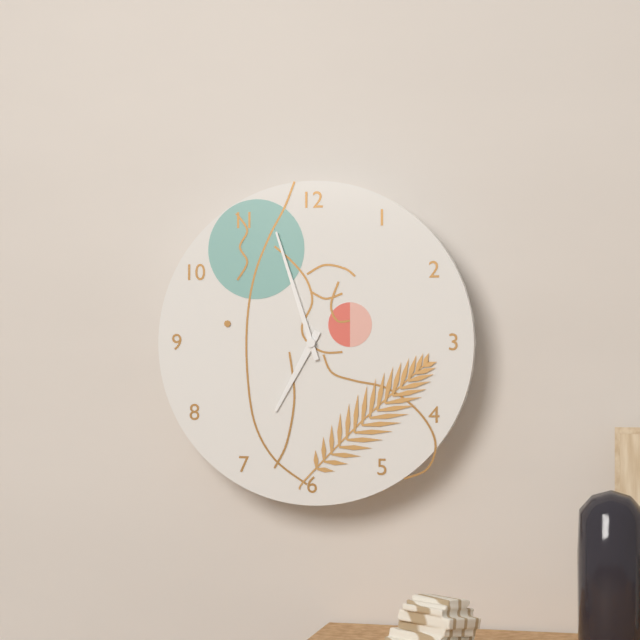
6:57
